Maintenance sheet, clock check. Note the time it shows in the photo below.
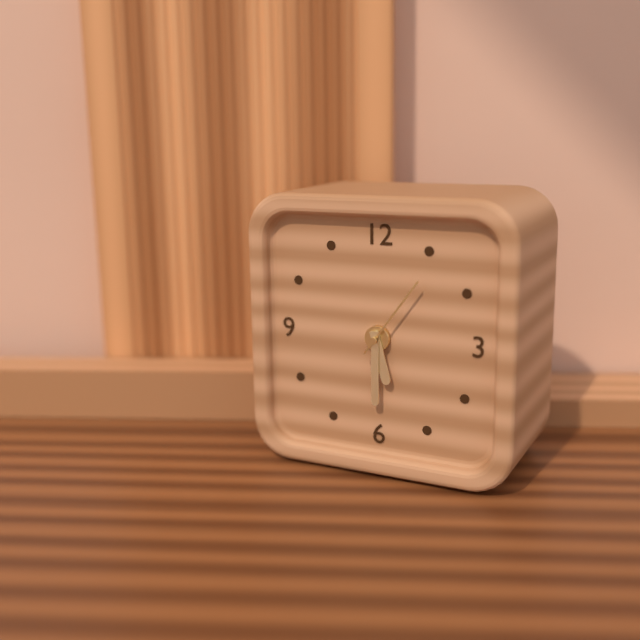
5:30:06
